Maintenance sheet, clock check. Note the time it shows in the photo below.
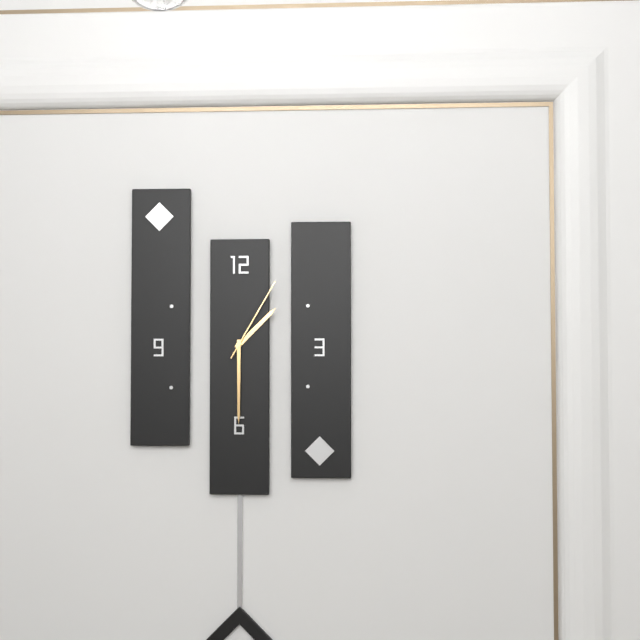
1:30:05
